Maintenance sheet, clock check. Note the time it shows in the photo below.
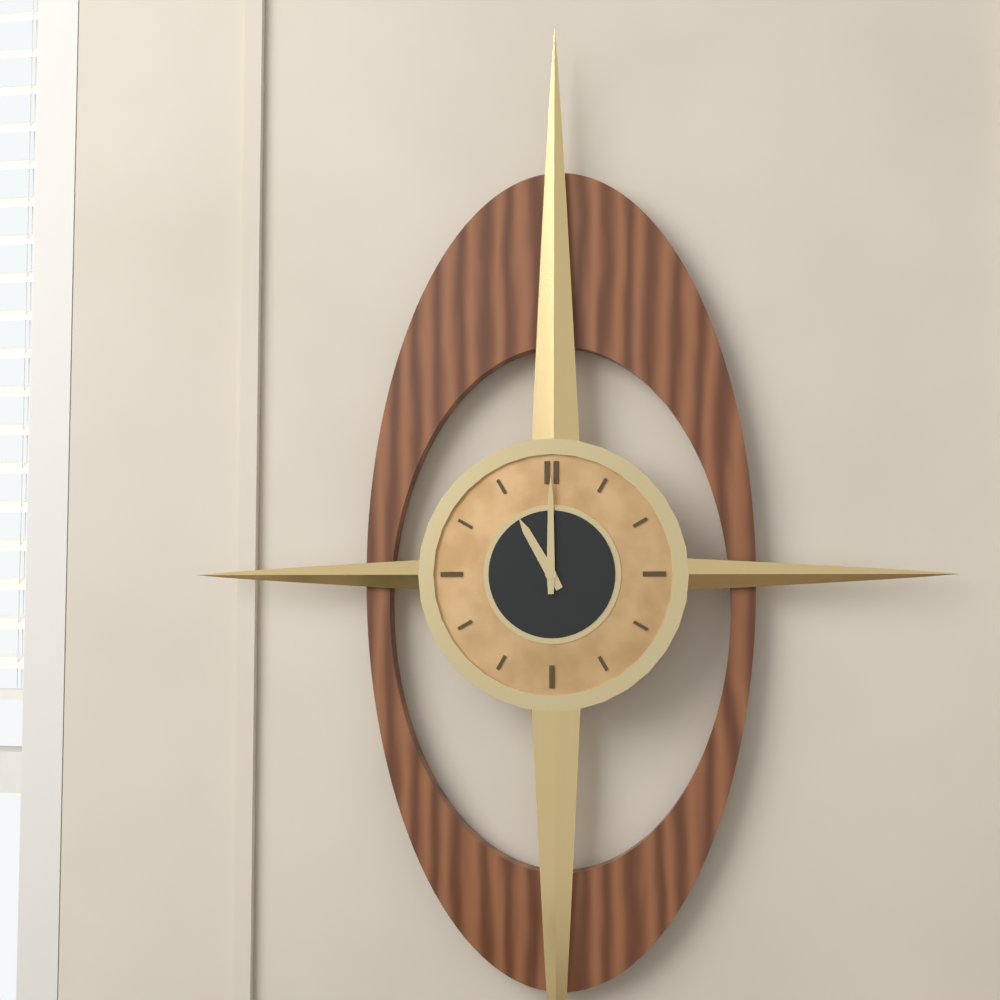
11:00
